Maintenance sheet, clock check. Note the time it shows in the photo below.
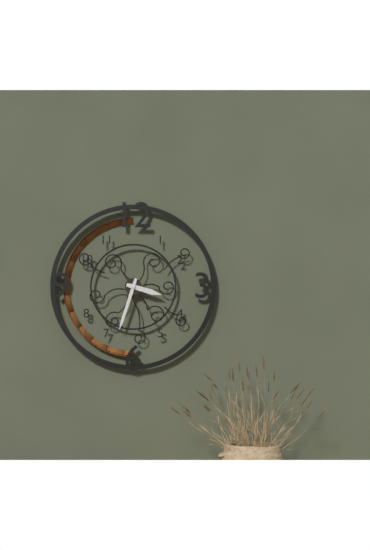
3:33
